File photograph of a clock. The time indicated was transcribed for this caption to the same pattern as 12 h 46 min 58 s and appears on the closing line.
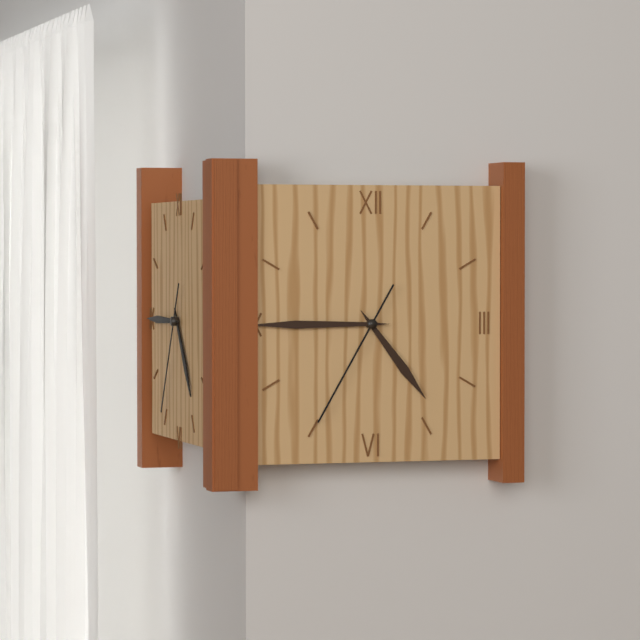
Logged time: 4 h 45 min 35 s
